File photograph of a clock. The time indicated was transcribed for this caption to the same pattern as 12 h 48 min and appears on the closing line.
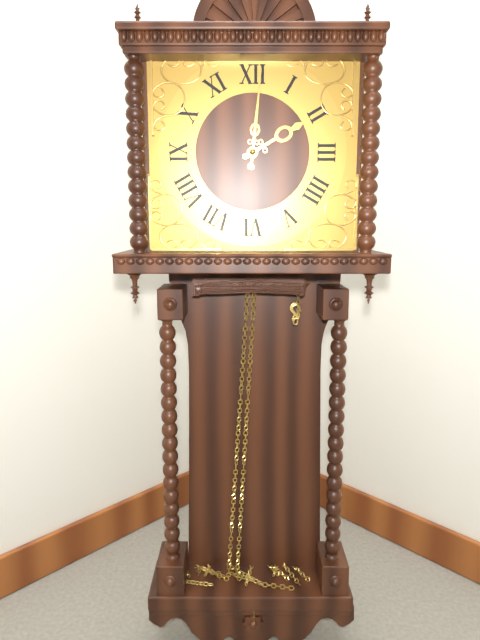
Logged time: 2 h 01 min
